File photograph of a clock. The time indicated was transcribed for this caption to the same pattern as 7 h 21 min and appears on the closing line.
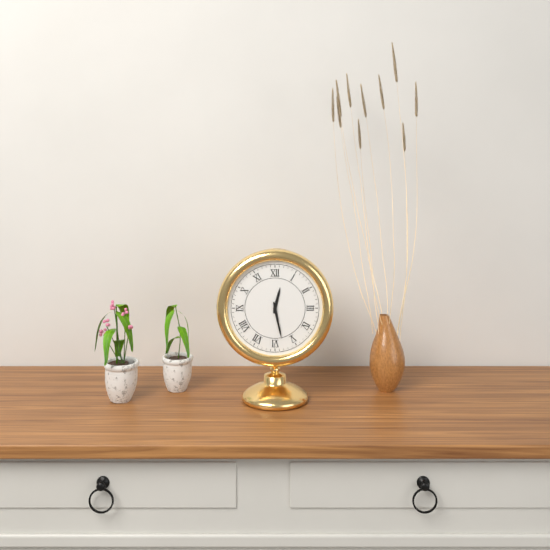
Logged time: 12 h 28 min
